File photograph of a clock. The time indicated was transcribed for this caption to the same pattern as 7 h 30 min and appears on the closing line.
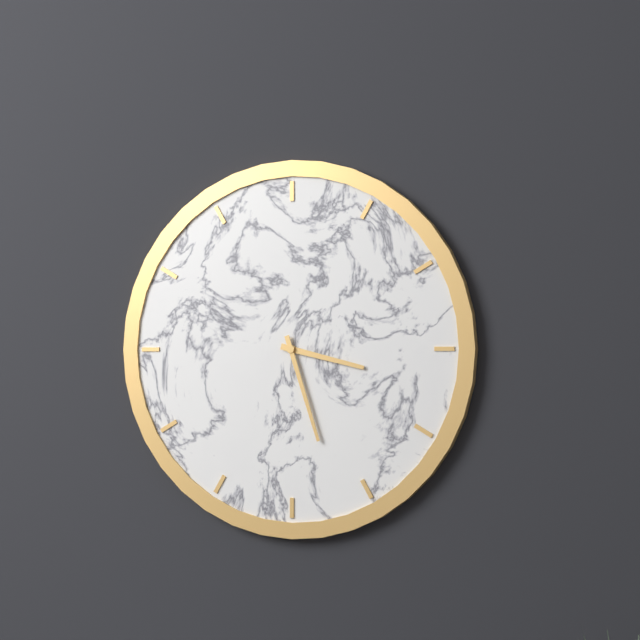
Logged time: 3 h 27 min
